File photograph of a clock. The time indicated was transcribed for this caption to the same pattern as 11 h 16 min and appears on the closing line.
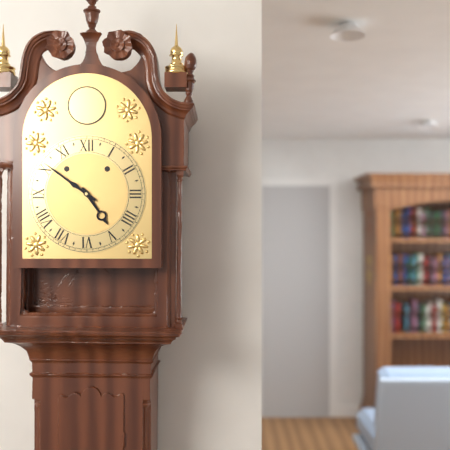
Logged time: 4 h 51 min
